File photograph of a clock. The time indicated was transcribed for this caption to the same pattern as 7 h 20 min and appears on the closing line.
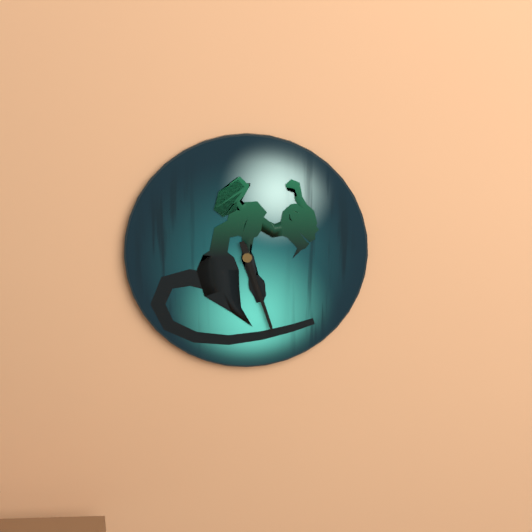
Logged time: 5 h 27 min
